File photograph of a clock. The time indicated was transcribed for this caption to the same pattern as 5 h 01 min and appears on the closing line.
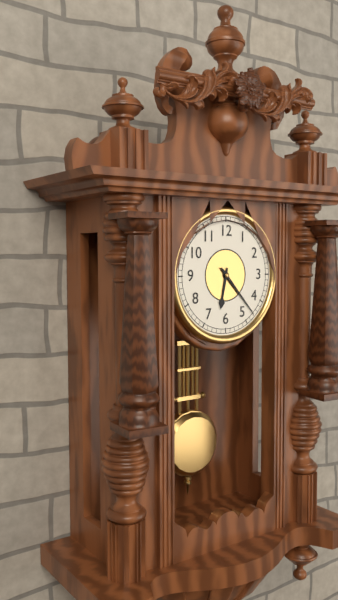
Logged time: 6 h 23 min
